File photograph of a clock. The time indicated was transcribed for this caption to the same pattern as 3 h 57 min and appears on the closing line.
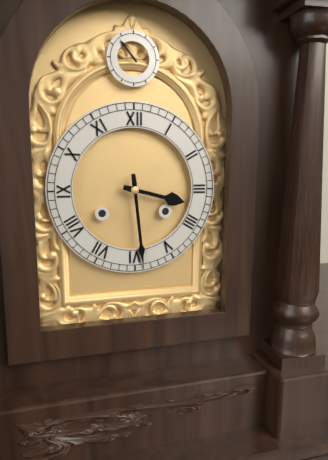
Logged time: 3 h 29 min
